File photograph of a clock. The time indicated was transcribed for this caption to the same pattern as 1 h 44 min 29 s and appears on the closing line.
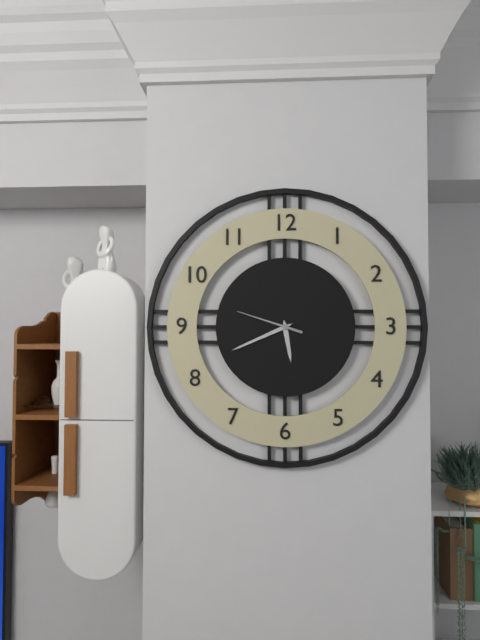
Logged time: 5 h 41 min 48 s
